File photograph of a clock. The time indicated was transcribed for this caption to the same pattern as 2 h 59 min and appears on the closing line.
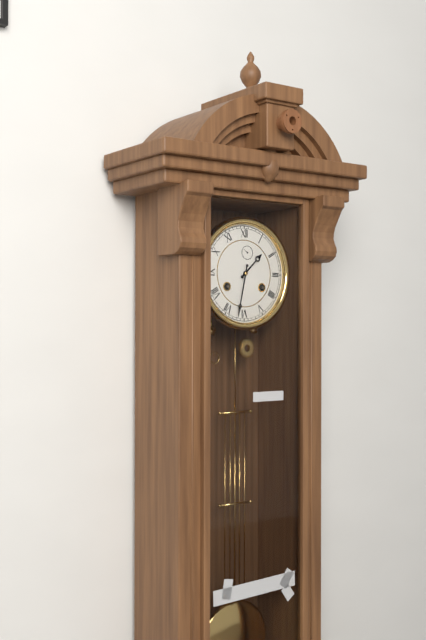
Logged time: 1 h 32 min
